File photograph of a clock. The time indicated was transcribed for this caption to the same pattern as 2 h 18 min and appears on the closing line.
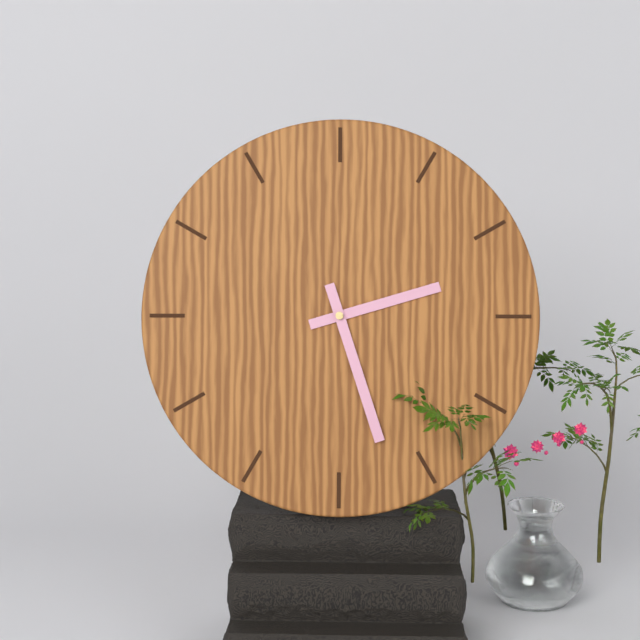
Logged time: 2 h 27 min
